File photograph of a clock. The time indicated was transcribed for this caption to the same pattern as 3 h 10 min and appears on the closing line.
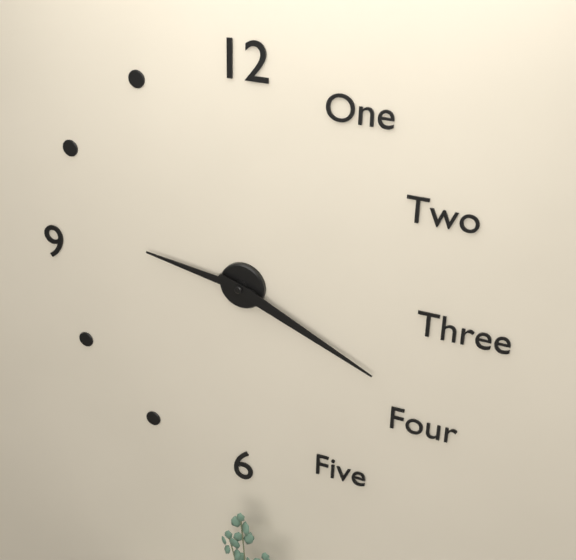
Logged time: 9 h 19 min
